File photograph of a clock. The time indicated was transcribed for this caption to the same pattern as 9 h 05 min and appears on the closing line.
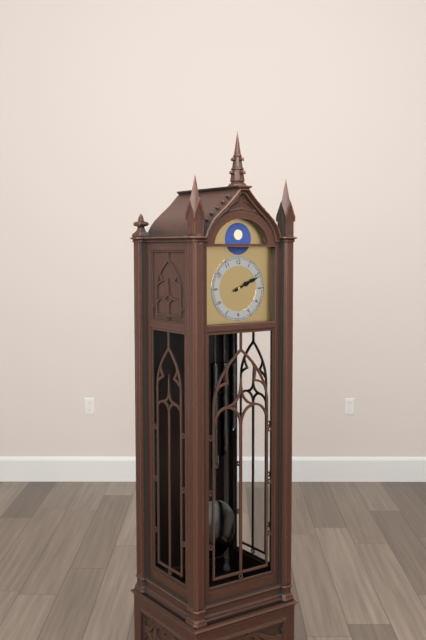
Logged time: 2 h 11 min
